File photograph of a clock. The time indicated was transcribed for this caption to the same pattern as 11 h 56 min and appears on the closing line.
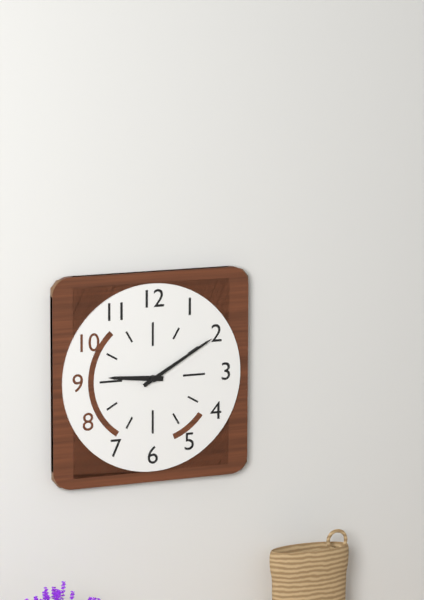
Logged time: 9 h 10 min
